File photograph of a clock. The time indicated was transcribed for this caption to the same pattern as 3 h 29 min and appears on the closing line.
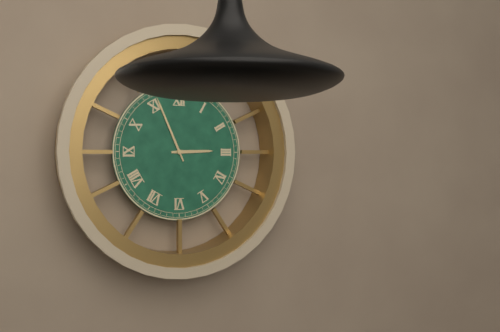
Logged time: 2 h 56 min
